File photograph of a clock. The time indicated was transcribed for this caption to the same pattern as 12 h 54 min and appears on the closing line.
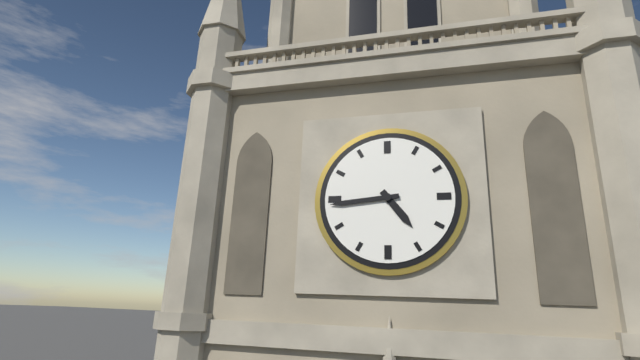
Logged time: 4 h 44 min
